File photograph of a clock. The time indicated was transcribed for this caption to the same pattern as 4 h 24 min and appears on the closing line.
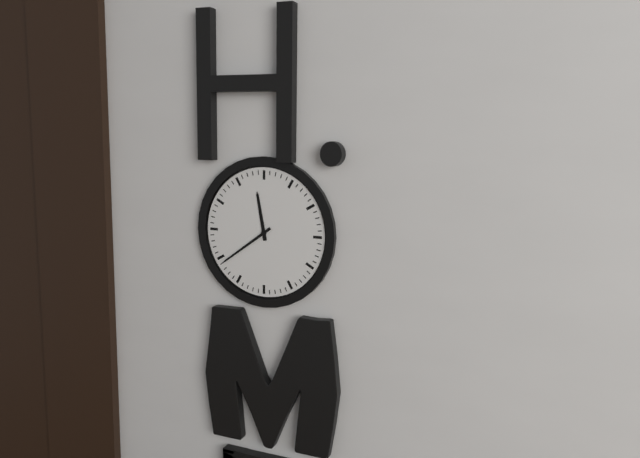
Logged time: 11 h 39 min
